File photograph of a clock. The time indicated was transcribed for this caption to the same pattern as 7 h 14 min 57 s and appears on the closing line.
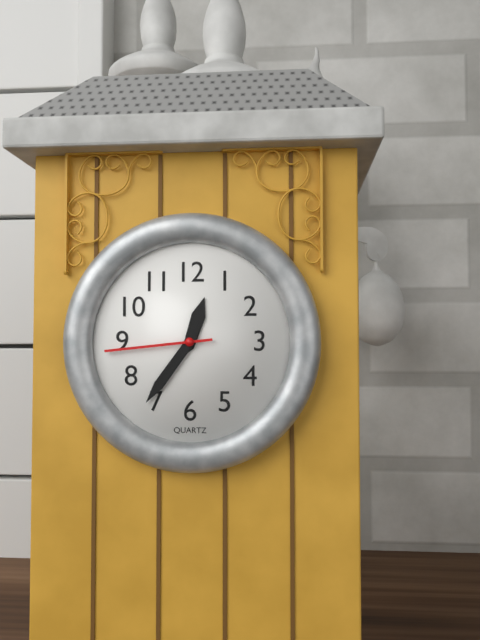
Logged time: 12 h 36 min 44 s
